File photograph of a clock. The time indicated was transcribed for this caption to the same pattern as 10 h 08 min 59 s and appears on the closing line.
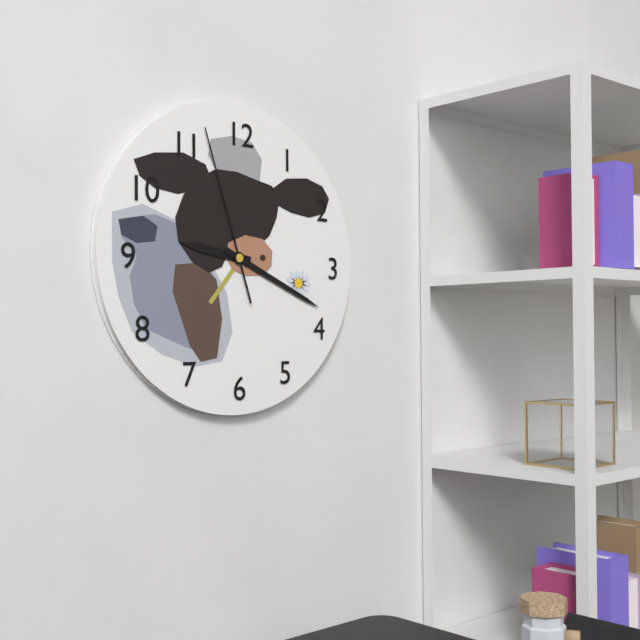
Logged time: 9 h 19 min 57 s
